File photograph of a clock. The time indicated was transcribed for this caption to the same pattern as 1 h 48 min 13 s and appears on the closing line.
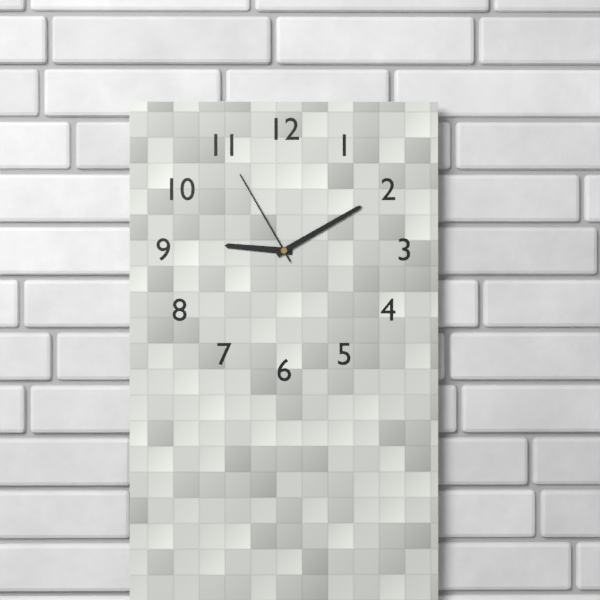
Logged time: 9 h 10 min 55 s
